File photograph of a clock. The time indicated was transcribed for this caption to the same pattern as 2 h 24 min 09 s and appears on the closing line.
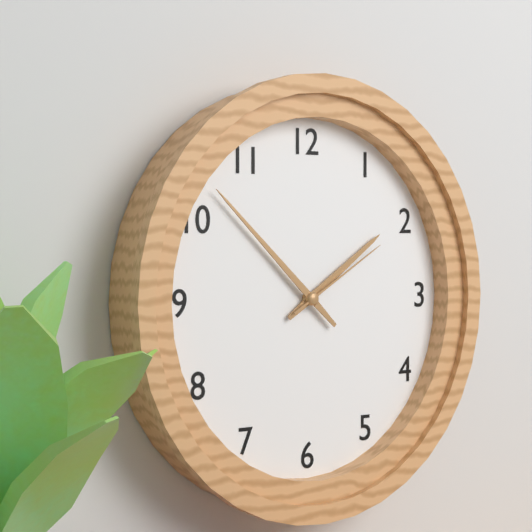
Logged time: 1 h 52 min 10 s
